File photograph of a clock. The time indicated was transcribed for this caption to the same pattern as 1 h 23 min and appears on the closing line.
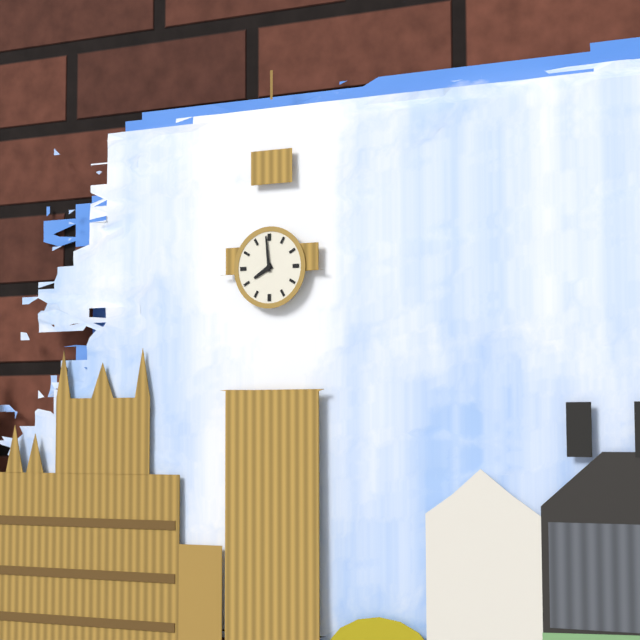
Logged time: 7 h 59 min
